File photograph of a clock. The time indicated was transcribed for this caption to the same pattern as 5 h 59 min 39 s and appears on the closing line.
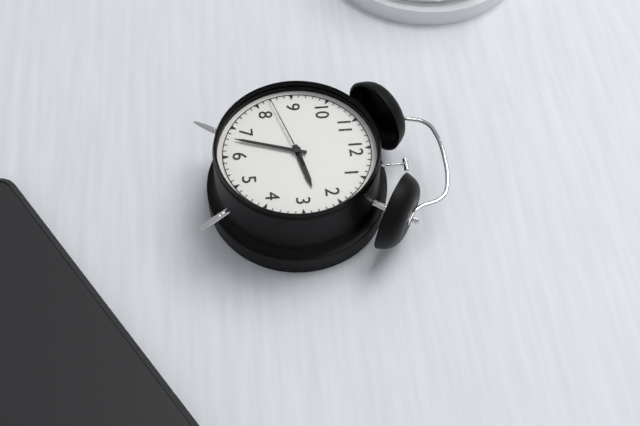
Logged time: 2 h 33 min 42 s
